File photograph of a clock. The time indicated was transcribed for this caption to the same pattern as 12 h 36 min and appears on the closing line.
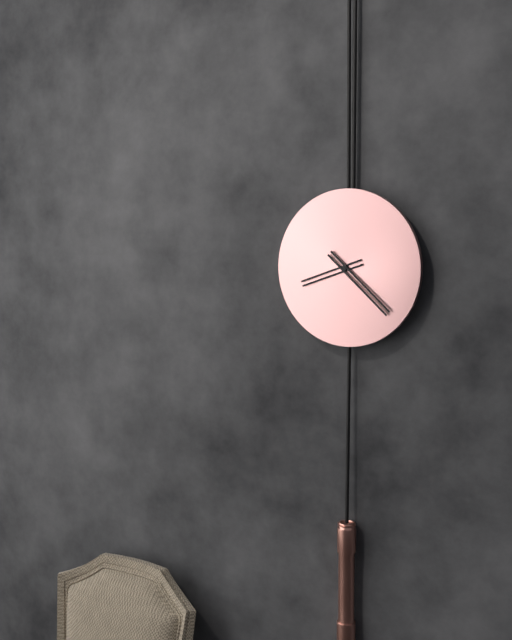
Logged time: 8 h 22 min
